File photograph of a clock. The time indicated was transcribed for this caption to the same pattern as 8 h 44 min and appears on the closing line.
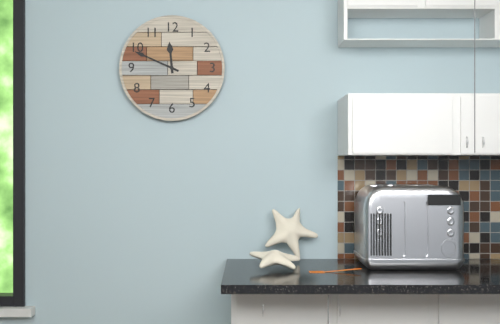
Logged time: 11 h 49 min
